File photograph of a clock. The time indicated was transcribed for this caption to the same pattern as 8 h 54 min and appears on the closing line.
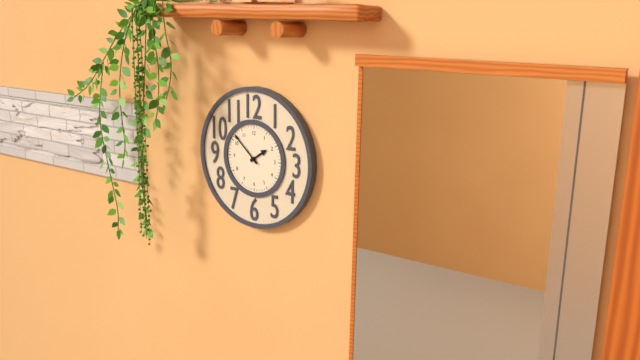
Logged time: 1 h 52 min
